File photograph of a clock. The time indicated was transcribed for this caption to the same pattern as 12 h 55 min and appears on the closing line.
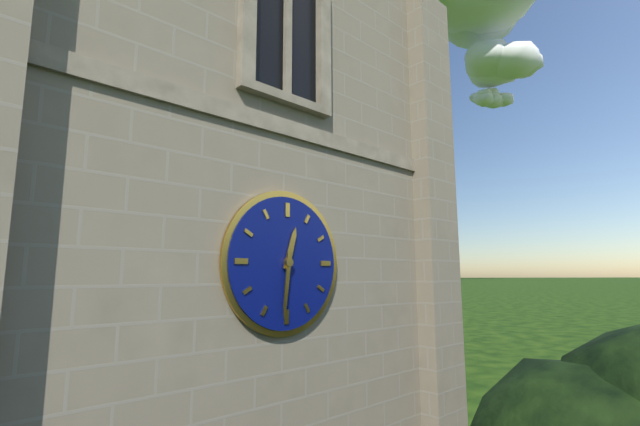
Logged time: 12 h 31 min
